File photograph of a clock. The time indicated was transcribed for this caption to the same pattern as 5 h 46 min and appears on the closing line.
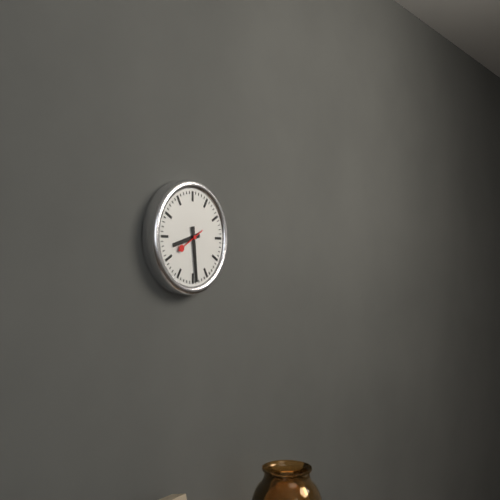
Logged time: 8 h 29 min
